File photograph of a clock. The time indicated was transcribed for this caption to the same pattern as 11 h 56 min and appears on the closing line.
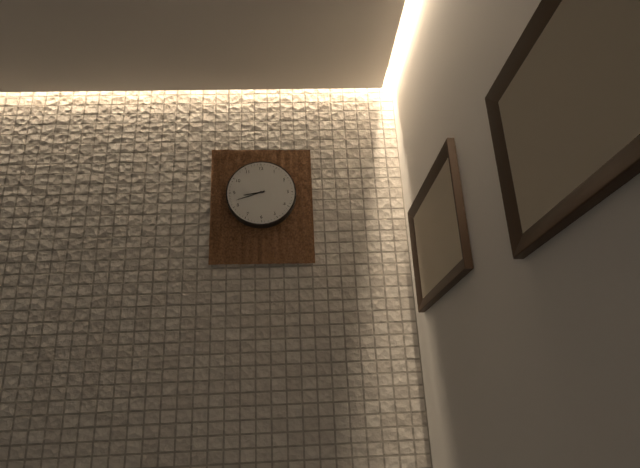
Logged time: 8 h 42 min
